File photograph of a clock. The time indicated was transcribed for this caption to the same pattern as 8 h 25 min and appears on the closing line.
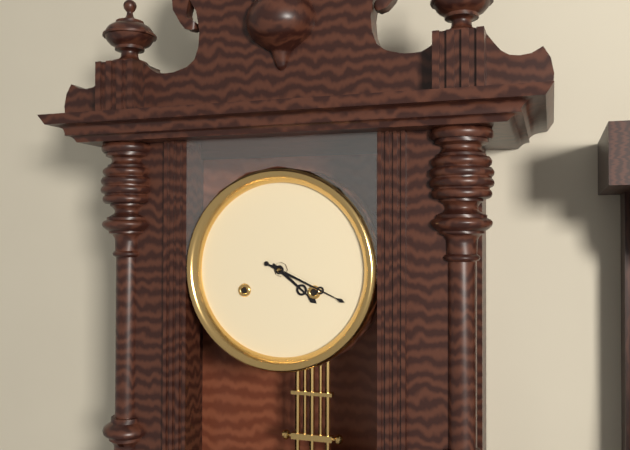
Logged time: 4 h 19 min
